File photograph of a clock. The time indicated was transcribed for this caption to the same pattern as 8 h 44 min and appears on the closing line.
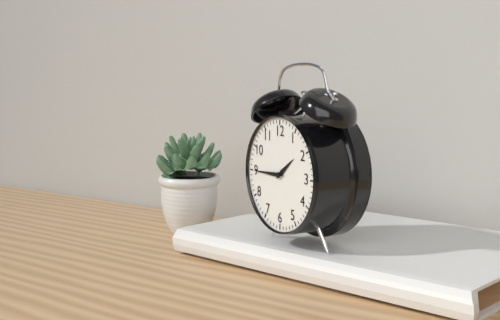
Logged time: 1 h 45 min
